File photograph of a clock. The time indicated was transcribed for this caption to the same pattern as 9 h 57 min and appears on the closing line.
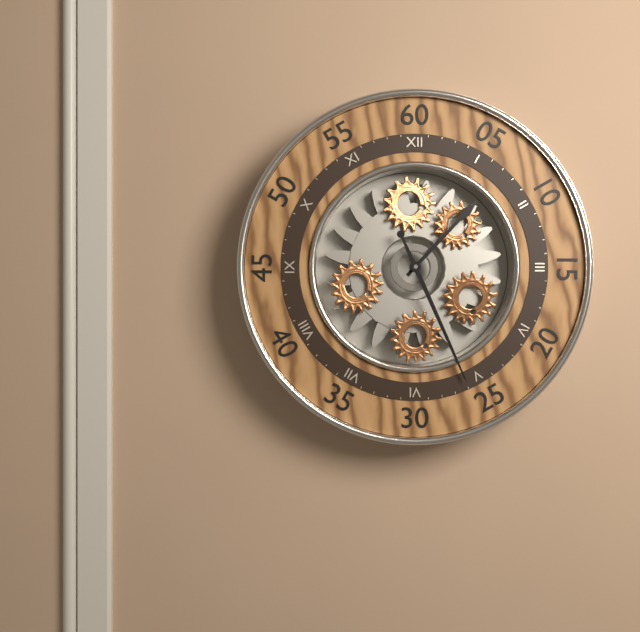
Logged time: 1 h 26 min
